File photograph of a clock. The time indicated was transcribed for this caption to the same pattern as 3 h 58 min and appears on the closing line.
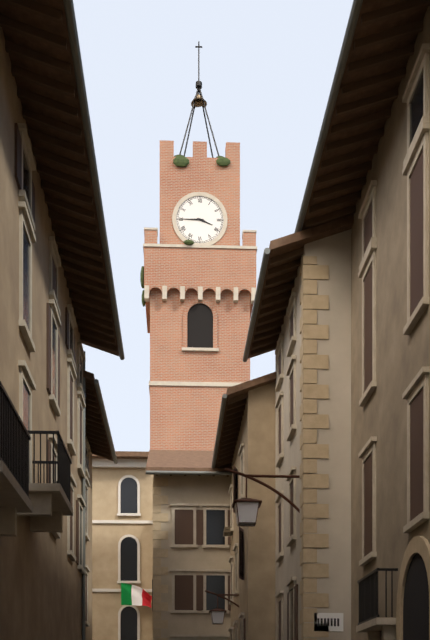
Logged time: 3 h 45 min
